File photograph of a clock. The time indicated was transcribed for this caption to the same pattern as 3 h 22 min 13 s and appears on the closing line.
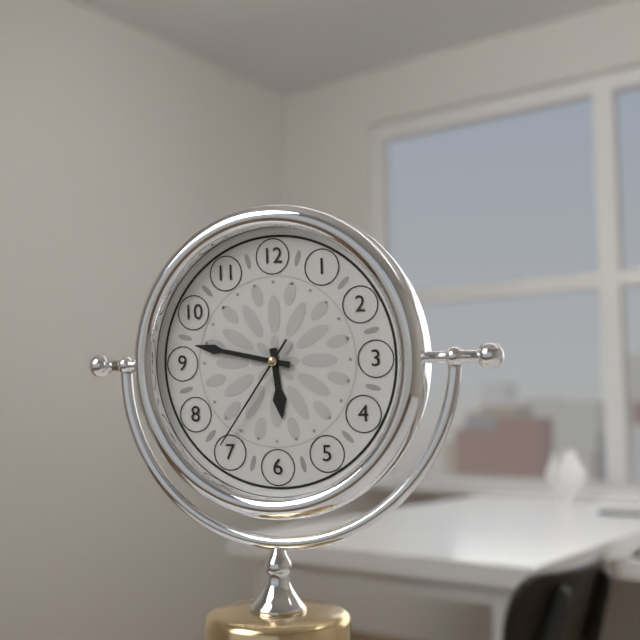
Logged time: 5 h 47 min 36 s
